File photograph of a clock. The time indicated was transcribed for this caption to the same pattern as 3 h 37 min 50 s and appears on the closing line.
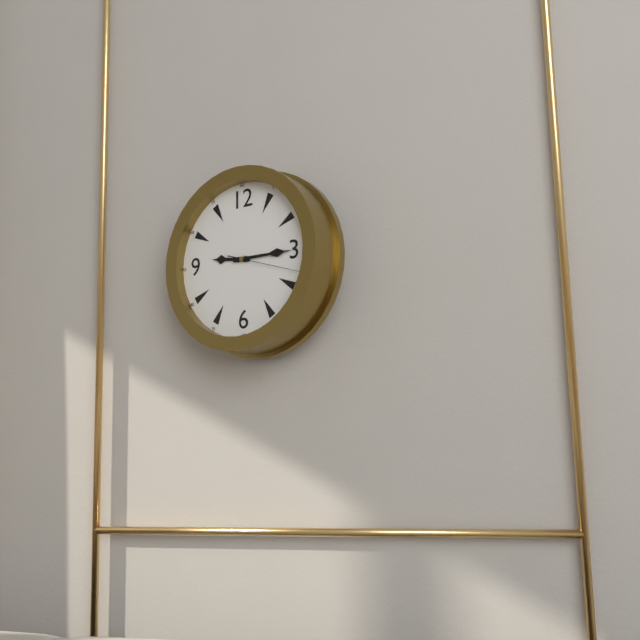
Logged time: 9 h 15 min 18 s
